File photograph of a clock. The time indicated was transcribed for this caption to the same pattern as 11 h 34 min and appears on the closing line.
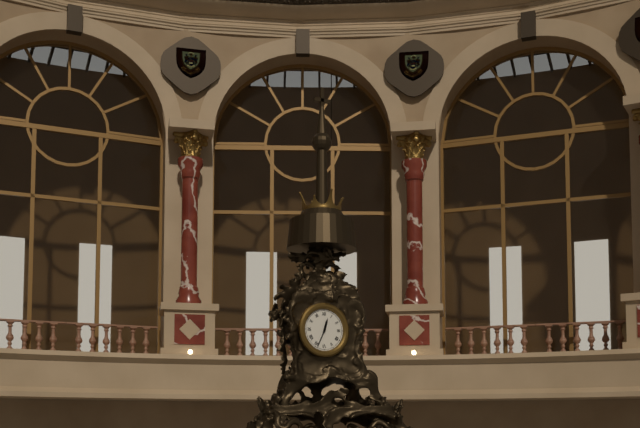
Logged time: 12 h 34 min
